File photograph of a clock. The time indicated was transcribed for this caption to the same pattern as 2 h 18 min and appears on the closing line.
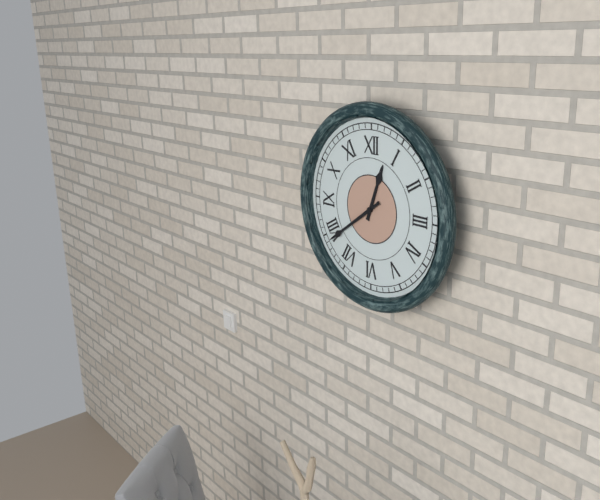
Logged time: 12 h 39 min
